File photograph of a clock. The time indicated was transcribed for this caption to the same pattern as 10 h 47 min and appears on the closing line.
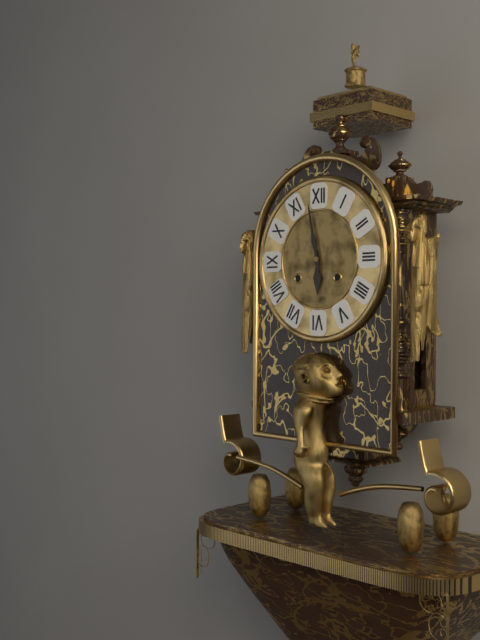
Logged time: 5 h 58 min
